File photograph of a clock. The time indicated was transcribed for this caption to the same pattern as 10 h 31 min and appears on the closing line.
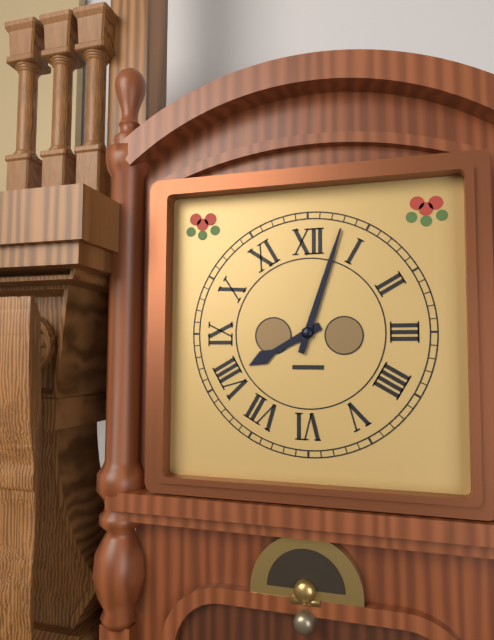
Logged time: 8 h 03 min
